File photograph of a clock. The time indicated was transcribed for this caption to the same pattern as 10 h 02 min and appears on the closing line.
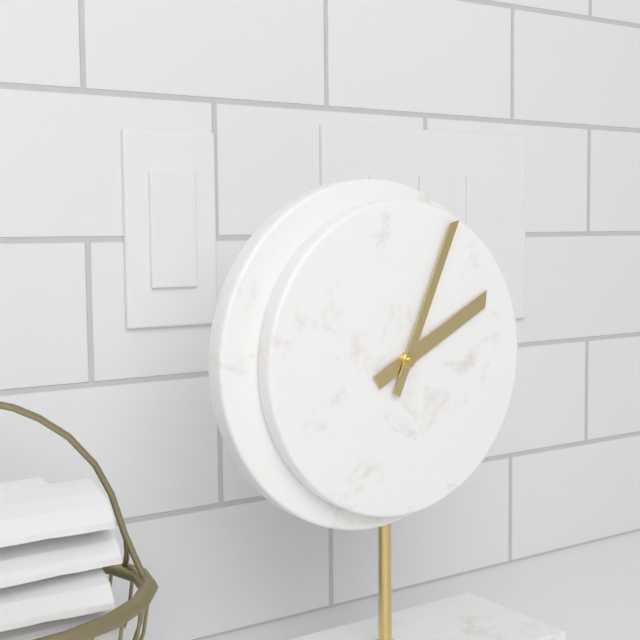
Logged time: 2 h 04 min
